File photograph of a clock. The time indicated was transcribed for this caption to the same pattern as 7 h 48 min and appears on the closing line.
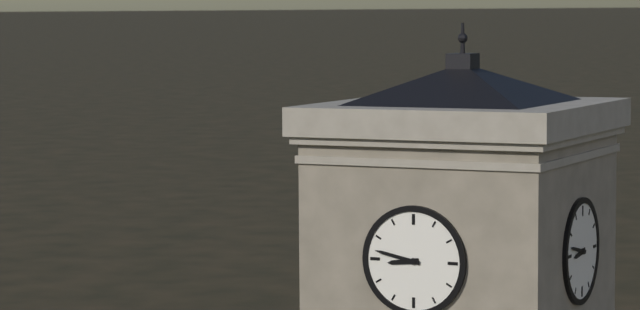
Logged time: 8 h 47 min
